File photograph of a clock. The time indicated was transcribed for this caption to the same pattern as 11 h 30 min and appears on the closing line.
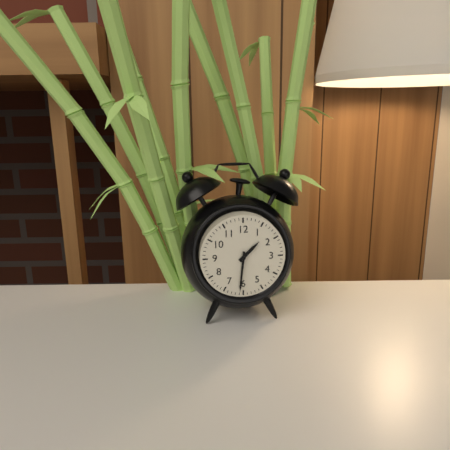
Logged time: 1 h 31 min
